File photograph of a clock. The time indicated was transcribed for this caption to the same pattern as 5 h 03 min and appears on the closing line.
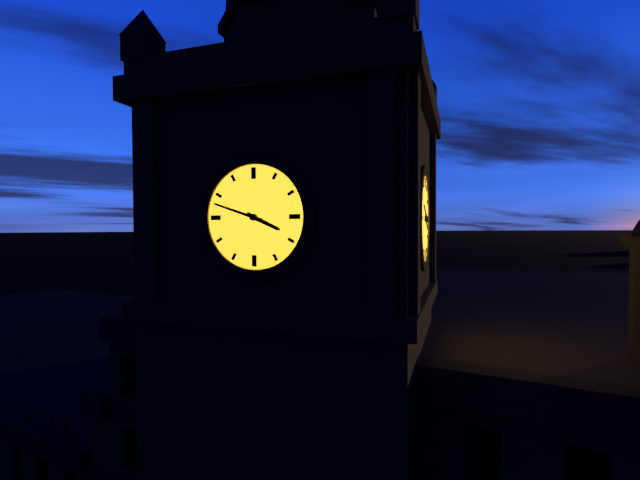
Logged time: 3 h 48 min
